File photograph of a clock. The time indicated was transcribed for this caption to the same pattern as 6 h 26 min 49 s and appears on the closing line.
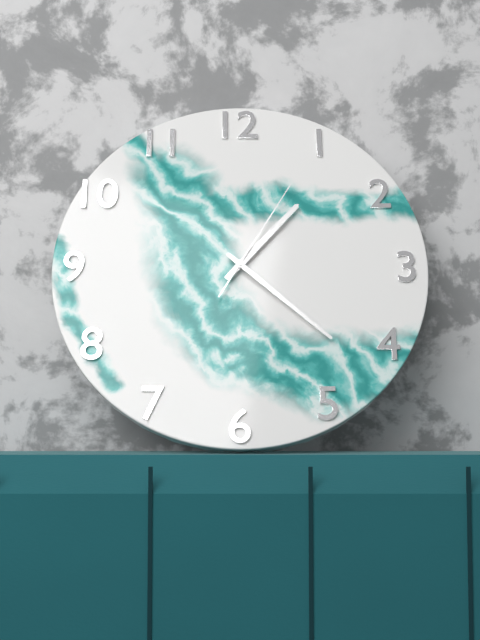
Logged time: 1 h 22 min 05 s
